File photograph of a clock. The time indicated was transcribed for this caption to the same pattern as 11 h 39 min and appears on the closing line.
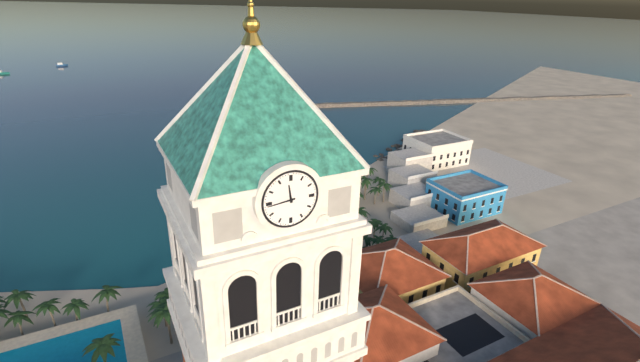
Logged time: 11 h 44 min
